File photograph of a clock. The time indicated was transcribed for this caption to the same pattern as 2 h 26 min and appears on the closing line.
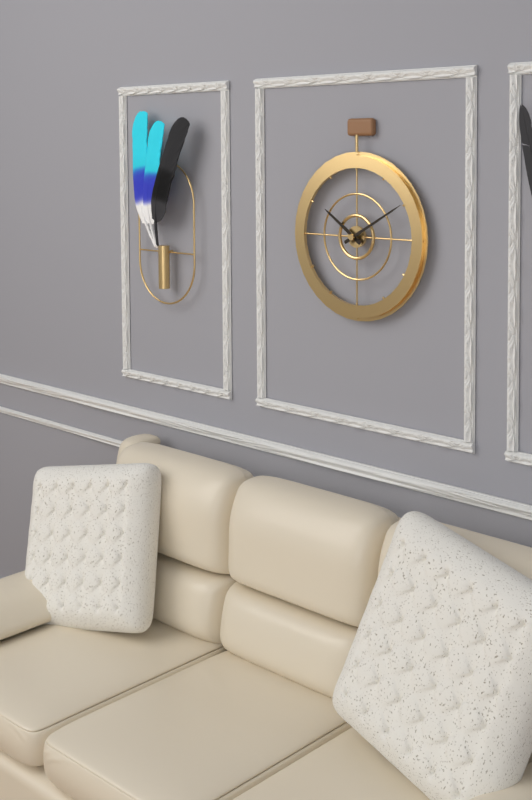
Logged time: 10 h 10 min
